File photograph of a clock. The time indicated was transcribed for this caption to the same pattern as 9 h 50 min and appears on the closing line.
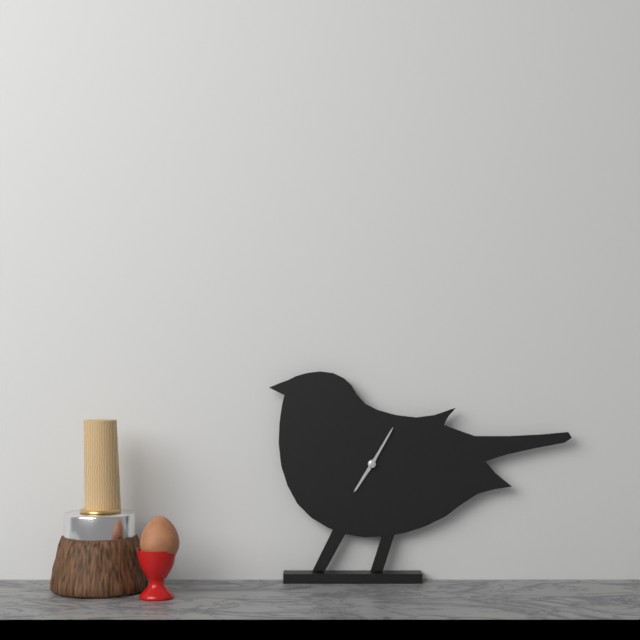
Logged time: 7 h 05 min
